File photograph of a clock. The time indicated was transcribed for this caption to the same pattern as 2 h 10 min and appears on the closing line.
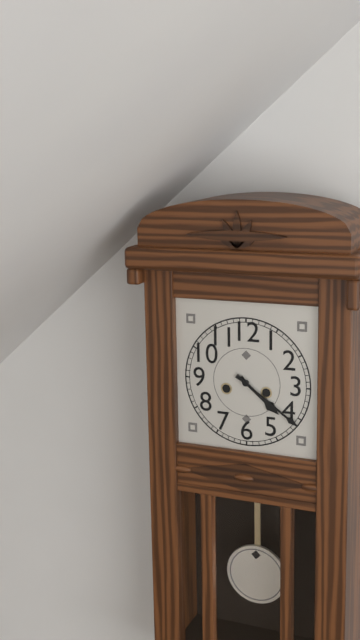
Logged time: 4 h 21 min
